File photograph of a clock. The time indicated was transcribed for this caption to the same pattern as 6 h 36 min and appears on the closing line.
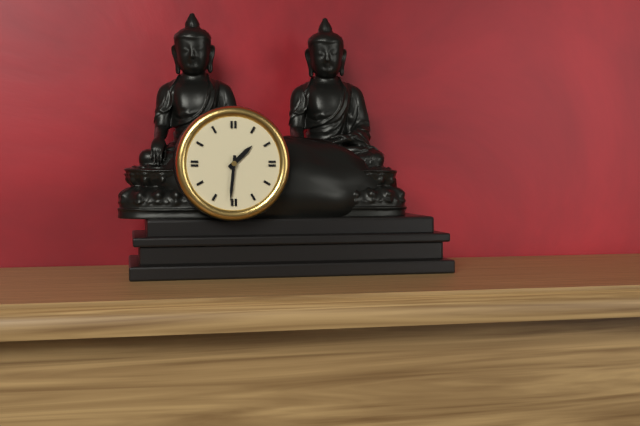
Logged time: 1 h 31 min
